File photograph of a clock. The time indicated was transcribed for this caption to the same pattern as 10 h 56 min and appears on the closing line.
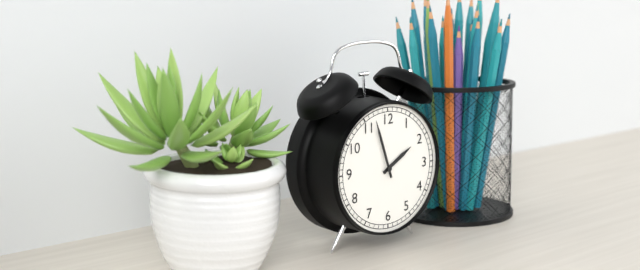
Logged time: 1 h 57 min
